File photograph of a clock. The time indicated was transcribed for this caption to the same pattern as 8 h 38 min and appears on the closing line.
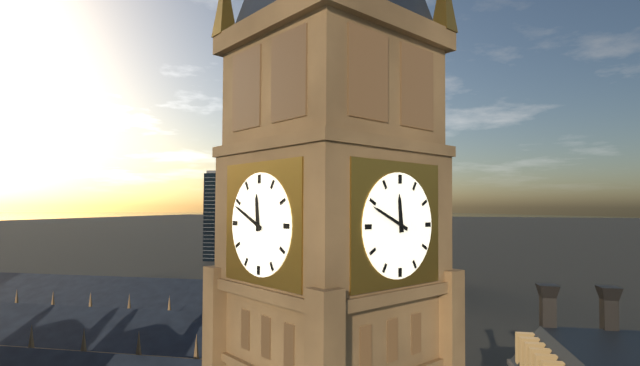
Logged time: 11 h 49 min
